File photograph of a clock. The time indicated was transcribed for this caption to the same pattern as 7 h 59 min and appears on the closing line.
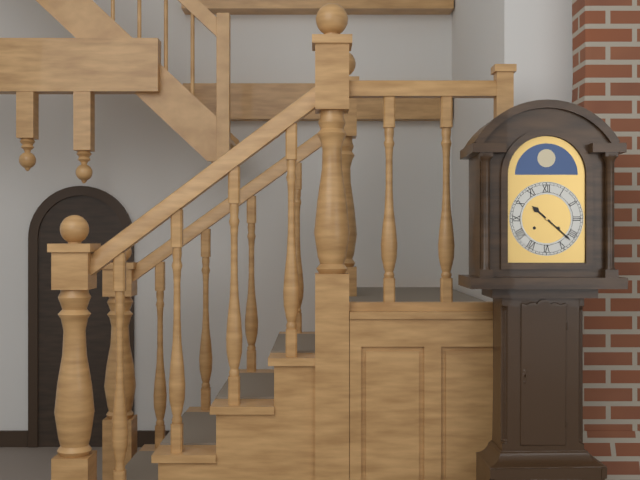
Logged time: 10 h 22 min
